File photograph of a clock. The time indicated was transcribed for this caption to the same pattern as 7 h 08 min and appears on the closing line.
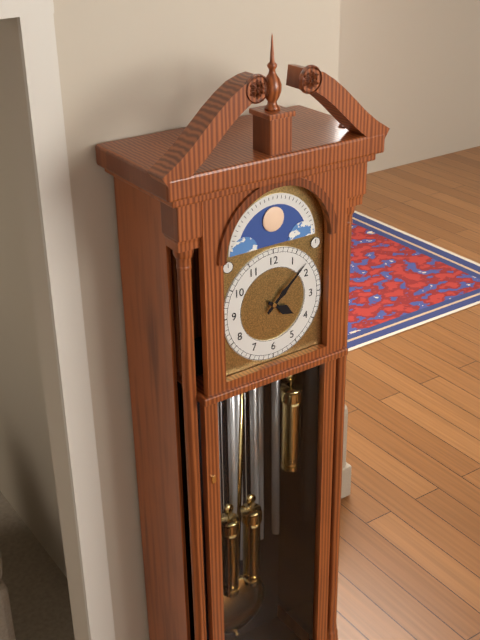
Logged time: 4 h 08 min
